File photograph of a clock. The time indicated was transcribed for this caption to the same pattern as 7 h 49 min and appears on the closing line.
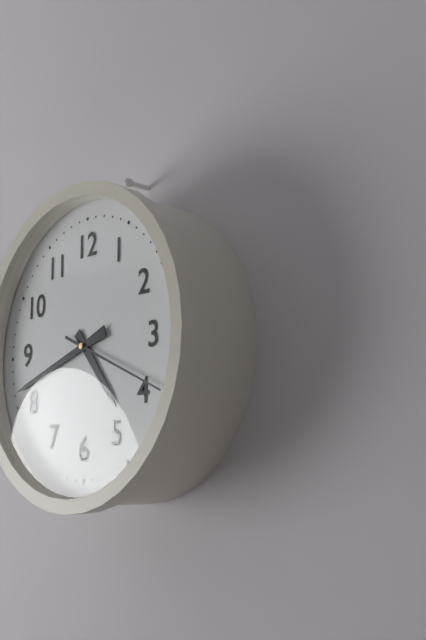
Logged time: 4 h 42 min
